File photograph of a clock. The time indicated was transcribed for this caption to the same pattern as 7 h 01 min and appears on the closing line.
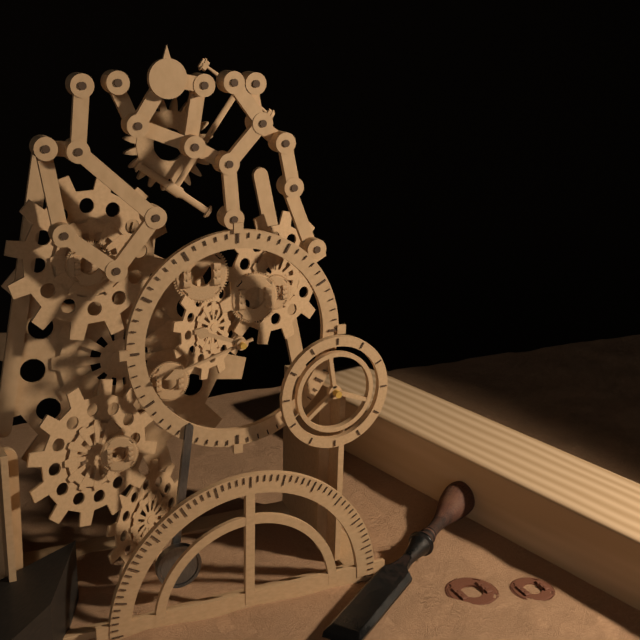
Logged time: 9 h 42 min
